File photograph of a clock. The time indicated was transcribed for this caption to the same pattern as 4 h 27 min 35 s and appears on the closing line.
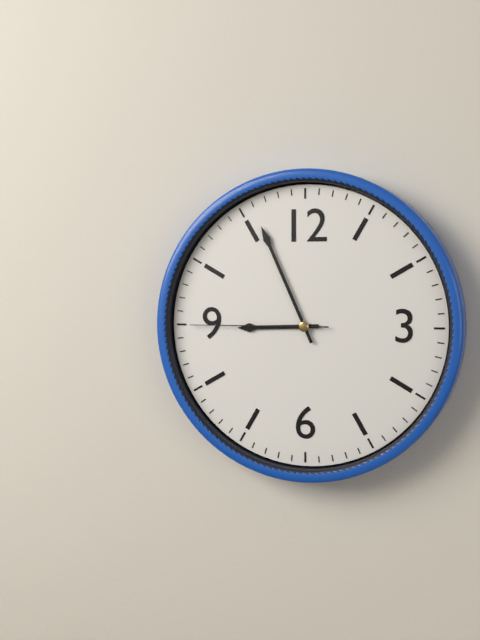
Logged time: 8 h 56 min 45 s
